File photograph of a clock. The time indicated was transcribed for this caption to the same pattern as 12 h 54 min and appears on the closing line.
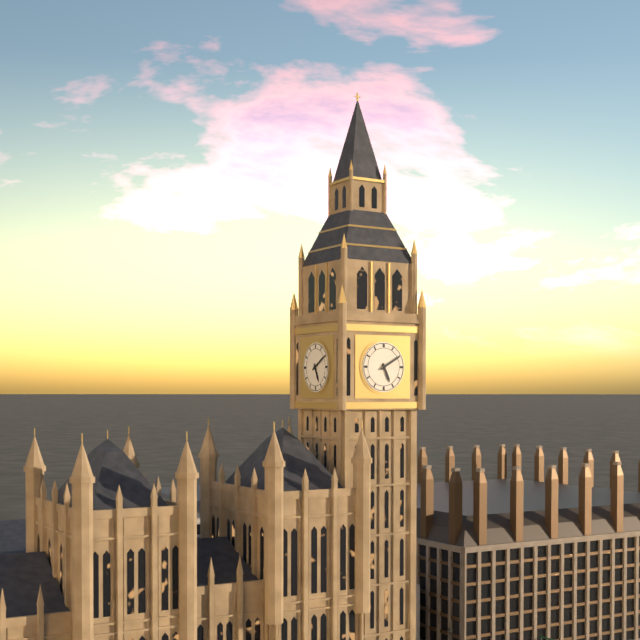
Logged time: 5 h 10 min
